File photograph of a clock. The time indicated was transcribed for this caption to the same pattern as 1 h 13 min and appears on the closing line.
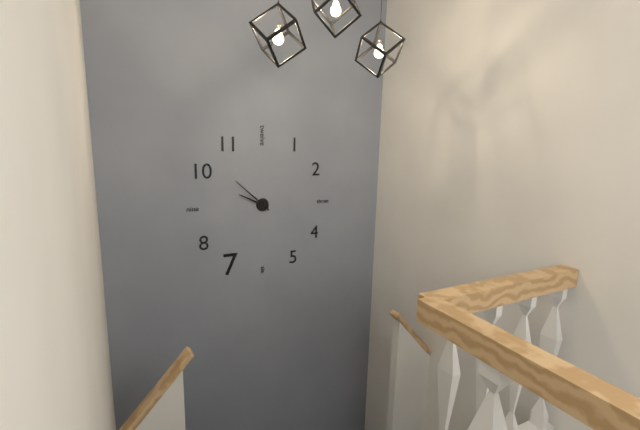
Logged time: 9 h 52 min
